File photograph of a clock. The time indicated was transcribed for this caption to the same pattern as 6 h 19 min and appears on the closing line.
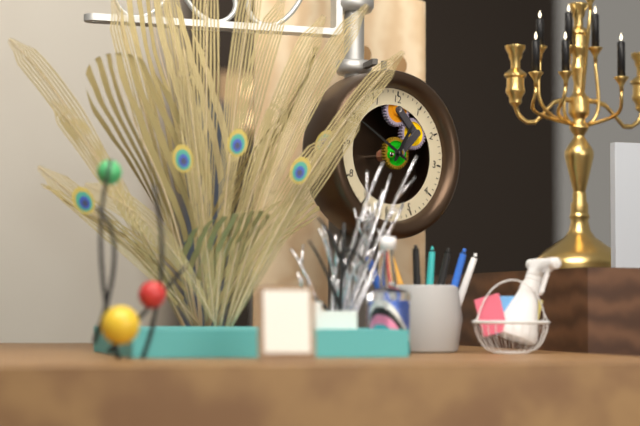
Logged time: 12 h 49 min
